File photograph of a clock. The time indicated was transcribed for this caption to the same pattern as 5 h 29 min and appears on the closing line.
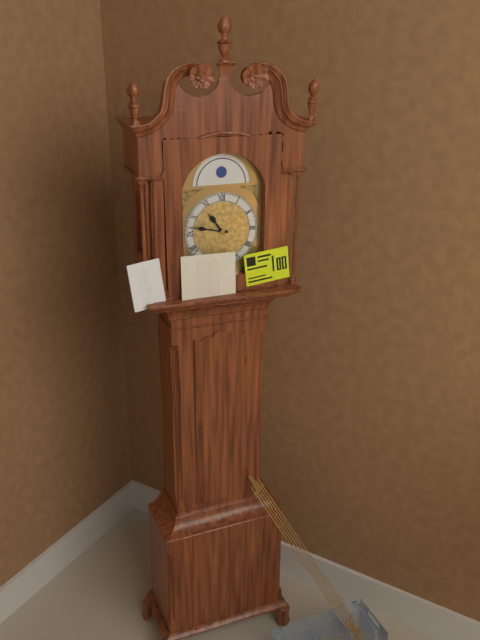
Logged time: 10 h 47 min
